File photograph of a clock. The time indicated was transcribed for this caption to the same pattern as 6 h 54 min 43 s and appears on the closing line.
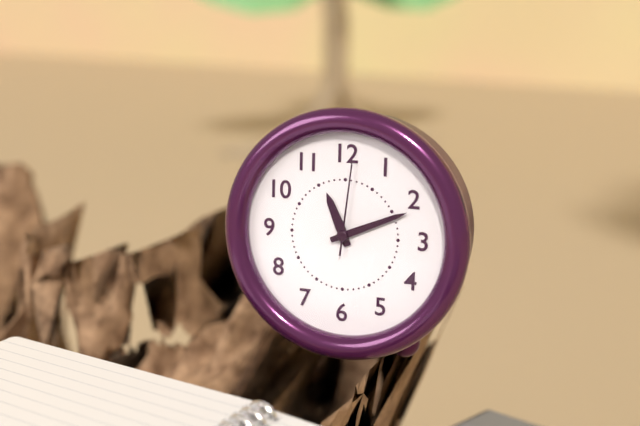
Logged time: 11 h 11 min 01 s
